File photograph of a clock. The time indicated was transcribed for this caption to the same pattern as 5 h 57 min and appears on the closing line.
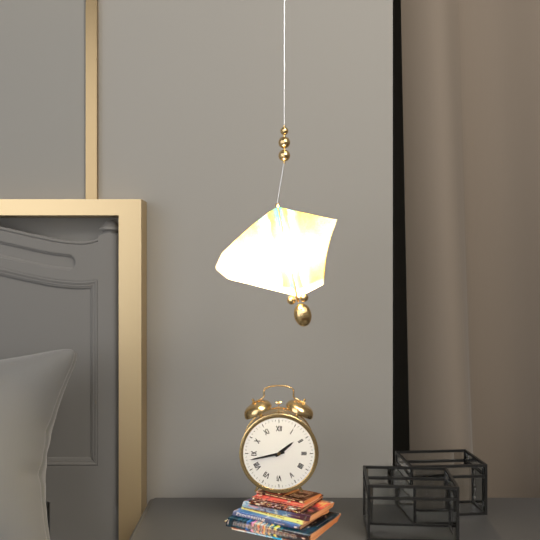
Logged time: 1 h 43 min
